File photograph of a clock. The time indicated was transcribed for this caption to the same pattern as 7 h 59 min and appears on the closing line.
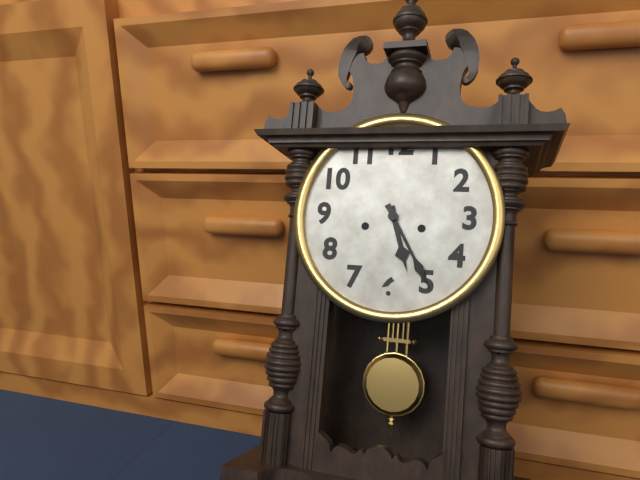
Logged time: 5 h 25 min
